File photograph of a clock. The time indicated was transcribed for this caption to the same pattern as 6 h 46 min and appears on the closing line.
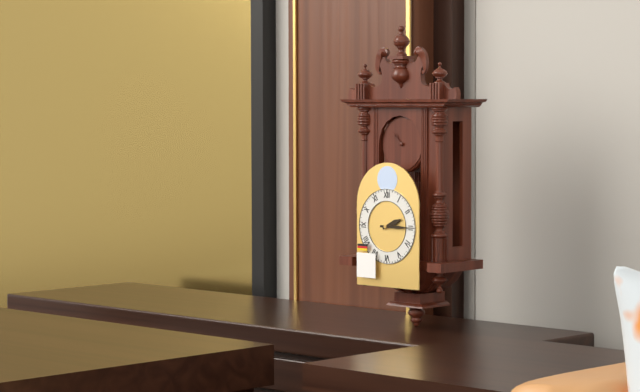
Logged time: 2 h 15 min
